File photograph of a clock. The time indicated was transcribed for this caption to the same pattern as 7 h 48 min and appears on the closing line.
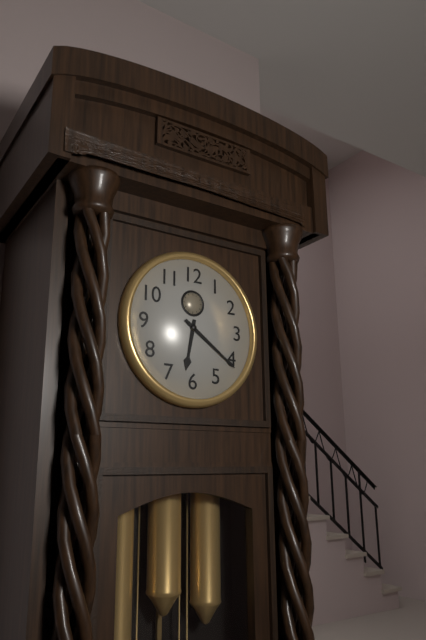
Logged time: 6 h 21 min
